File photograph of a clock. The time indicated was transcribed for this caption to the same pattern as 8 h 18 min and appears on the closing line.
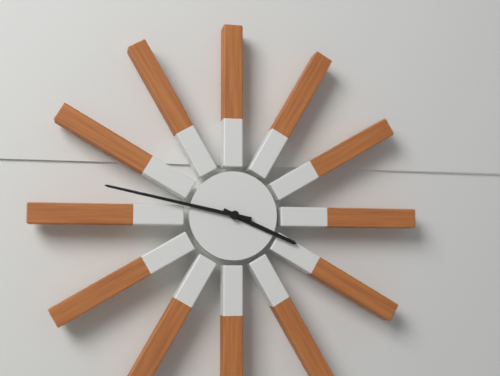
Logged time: 3 h 47 min
